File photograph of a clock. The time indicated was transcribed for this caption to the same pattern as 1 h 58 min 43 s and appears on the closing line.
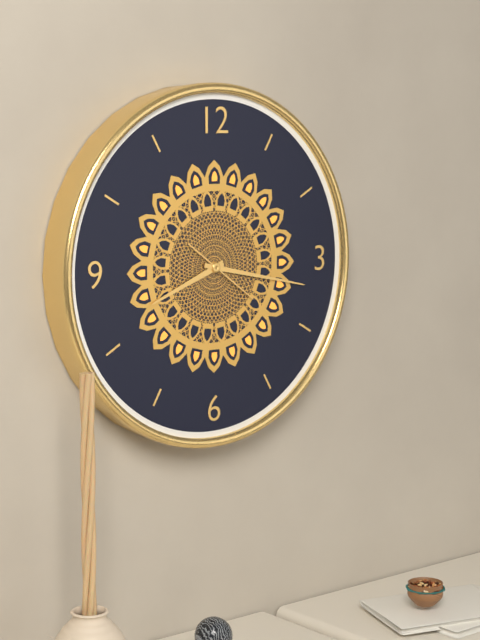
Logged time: 8 h 17 min 21 s
